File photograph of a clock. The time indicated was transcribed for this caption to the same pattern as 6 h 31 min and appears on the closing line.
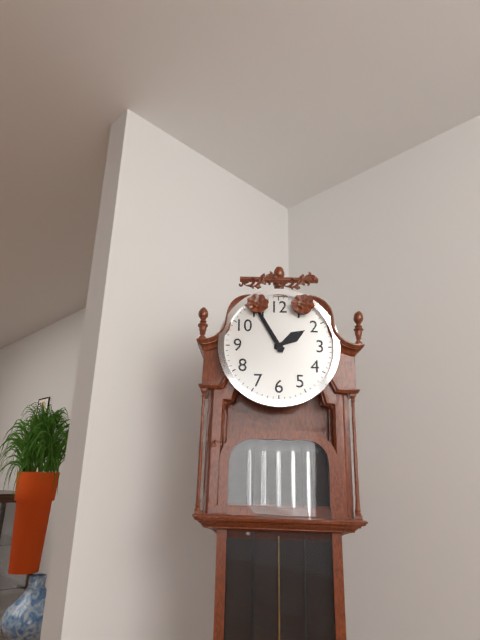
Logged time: 1 h 55 min
